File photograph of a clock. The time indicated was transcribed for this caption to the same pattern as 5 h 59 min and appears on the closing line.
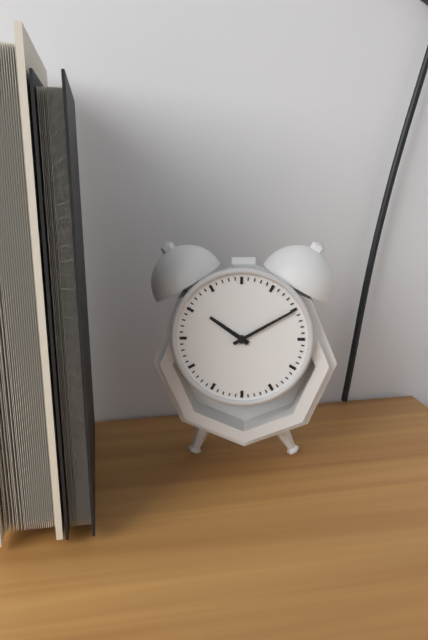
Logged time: 10 h 10 min
